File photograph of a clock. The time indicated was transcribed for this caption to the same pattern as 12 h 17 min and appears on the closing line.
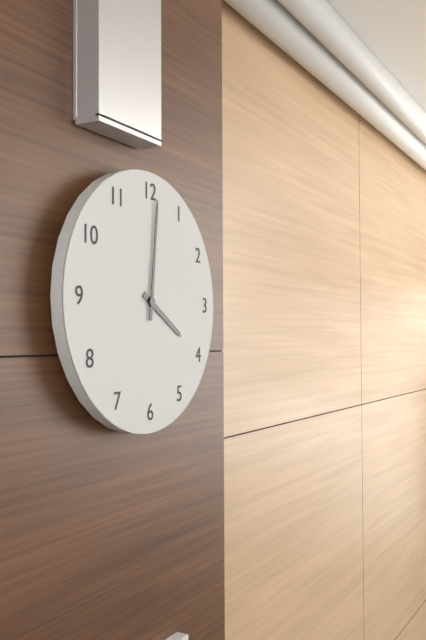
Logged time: 4 h 01 min
